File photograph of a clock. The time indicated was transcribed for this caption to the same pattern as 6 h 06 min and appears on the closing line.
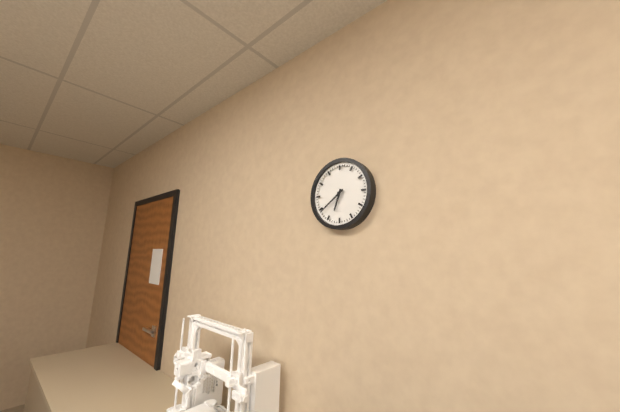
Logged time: 6 h 39 min
